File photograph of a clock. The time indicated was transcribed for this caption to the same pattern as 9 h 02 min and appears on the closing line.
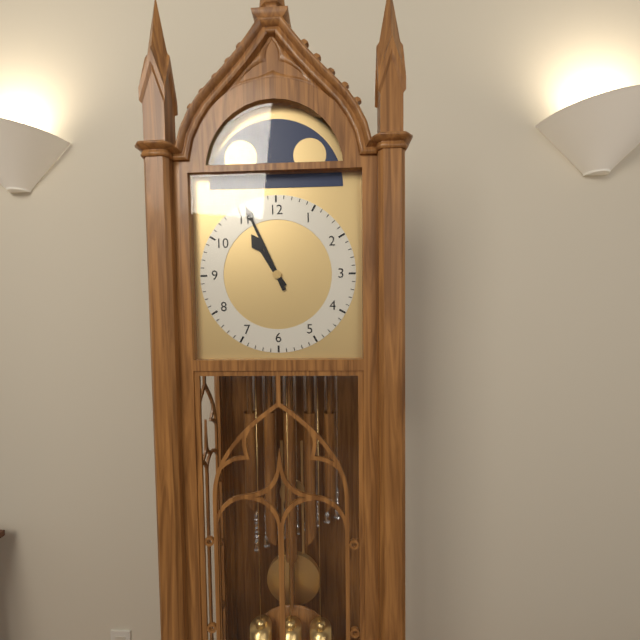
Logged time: 10 h 56 min
